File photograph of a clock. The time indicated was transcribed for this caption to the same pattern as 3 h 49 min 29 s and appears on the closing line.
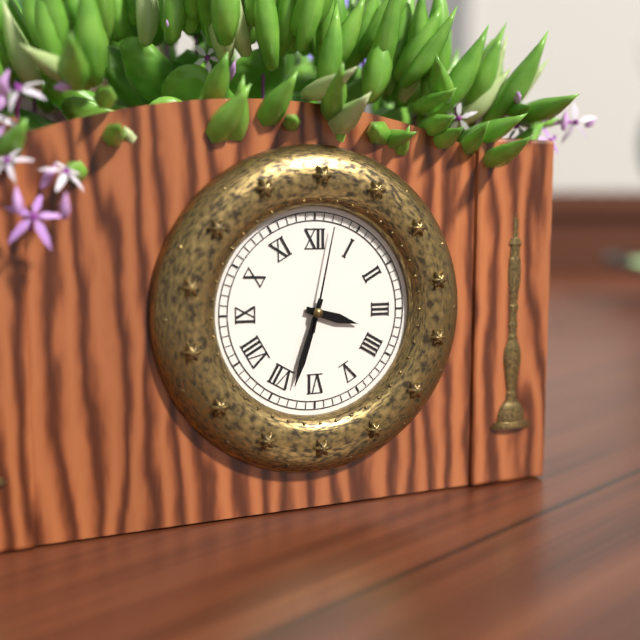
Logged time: 3 h 33 min 02 s
